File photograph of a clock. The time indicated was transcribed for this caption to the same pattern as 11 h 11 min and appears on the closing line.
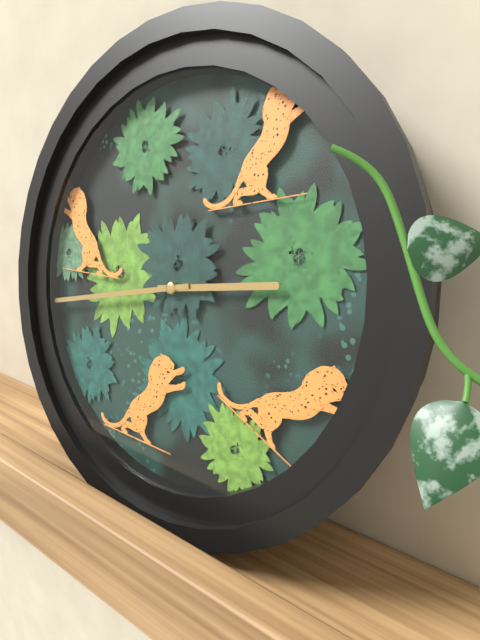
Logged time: 2 h 43 min
